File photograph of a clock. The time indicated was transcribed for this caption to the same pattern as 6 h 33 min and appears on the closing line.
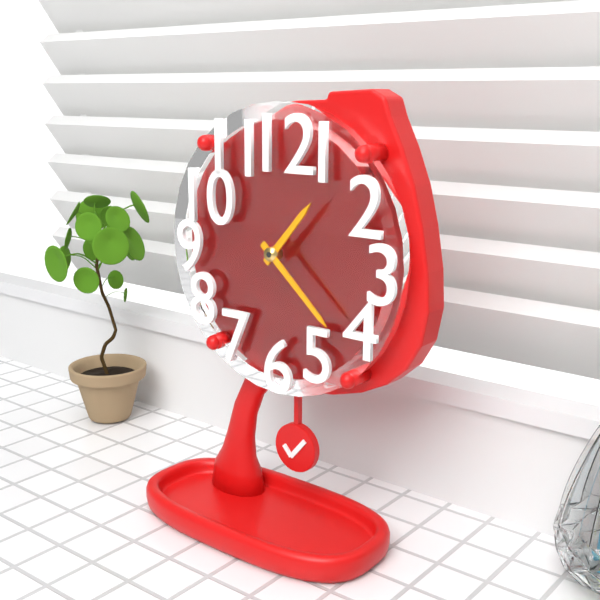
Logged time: 1 h 22 min
